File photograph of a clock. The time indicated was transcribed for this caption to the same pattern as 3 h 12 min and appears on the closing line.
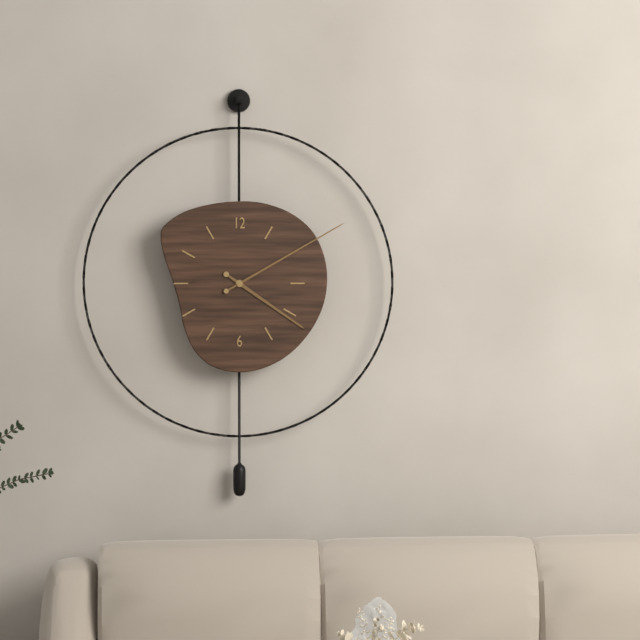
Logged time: 4 h 10 min
